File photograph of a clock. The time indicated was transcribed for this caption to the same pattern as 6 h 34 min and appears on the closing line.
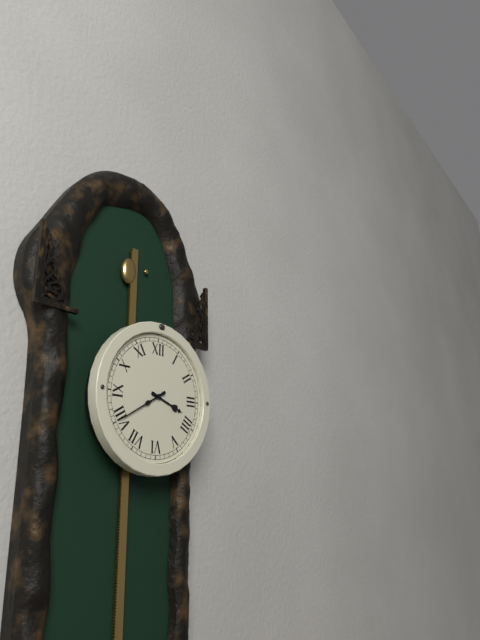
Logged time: 3 h 40 min
